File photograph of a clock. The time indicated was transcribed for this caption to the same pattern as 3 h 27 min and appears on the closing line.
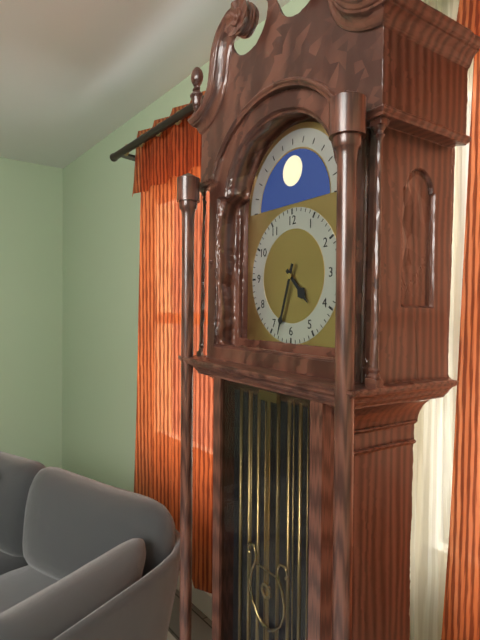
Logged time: 4 h 33 min
